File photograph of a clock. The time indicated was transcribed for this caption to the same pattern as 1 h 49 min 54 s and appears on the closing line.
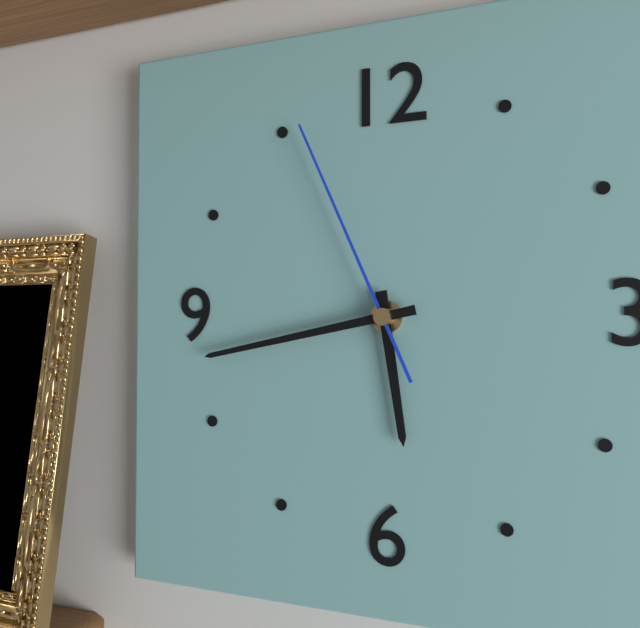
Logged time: 5 h 43 min 56 s
